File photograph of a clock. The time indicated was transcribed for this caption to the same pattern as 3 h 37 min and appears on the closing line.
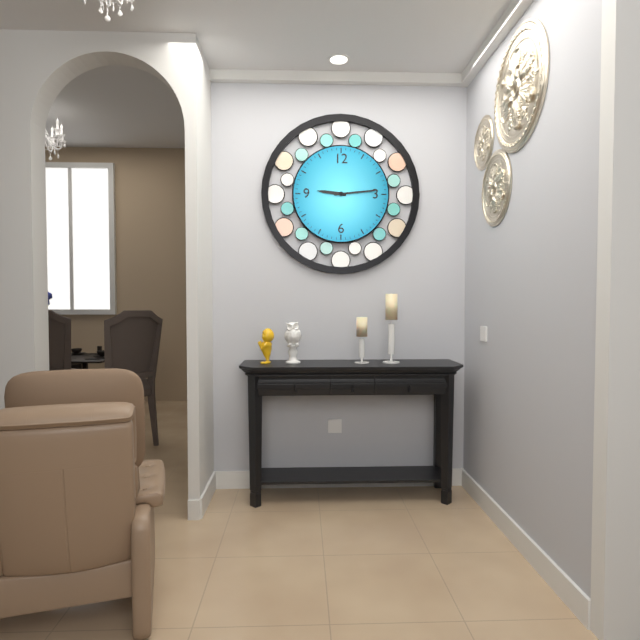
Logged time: 9 h 14 min
